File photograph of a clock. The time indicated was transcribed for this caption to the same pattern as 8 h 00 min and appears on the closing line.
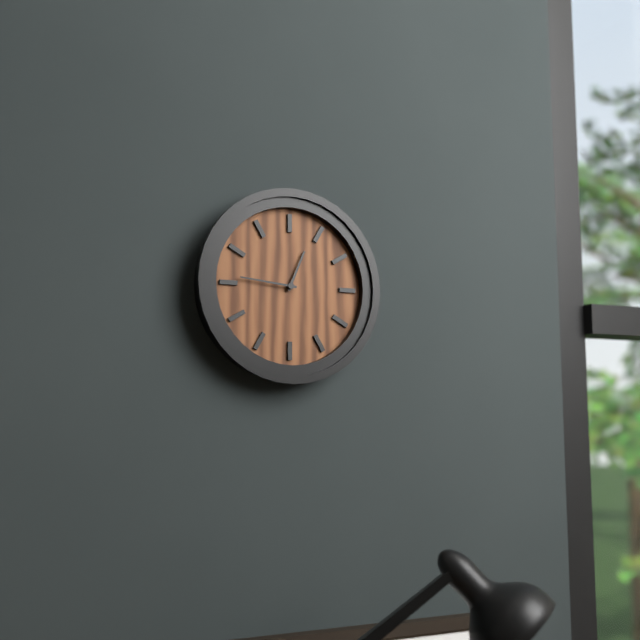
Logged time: 12 h 46 min
